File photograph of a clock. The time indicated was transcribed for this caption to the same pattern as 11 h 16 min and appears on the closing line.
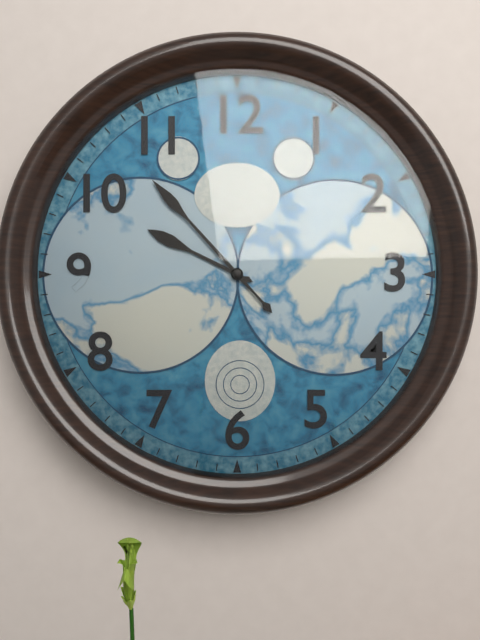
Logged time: 9 h 53 min
